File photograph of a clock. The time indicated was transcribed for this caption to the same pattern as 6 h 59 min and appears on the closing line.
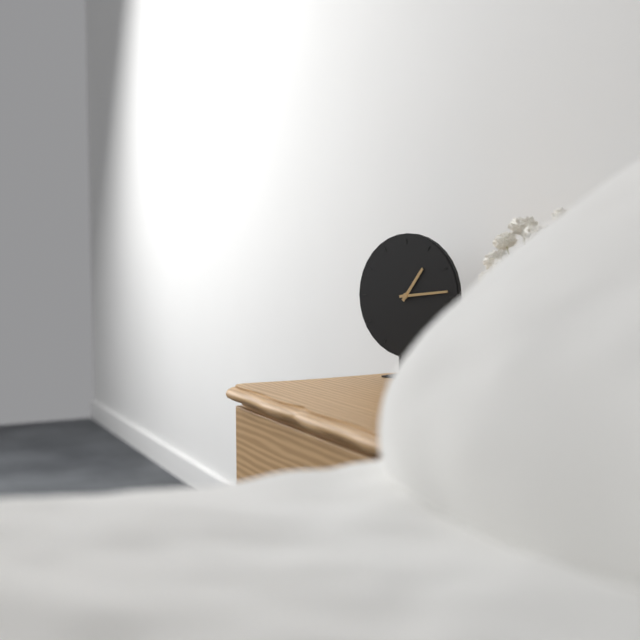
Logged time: 1 h 14 min
